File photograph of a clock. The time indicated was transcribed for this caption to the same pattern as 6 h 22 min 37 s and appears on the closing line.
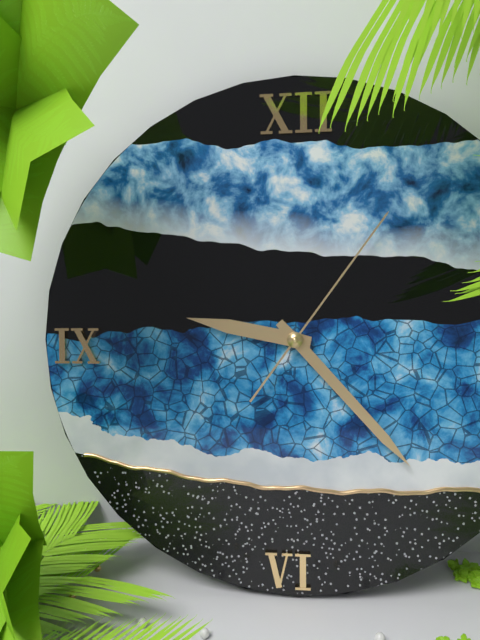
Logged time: 9 h 23 min 06 s
